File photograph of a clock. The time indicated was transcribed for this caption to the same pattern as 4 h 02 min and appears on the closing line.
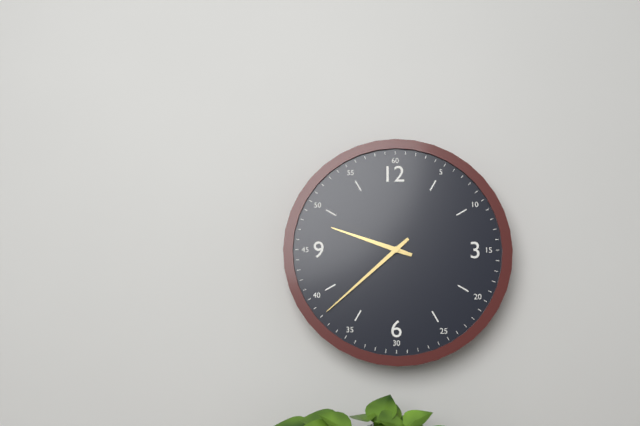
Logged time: 9 h 38 min
